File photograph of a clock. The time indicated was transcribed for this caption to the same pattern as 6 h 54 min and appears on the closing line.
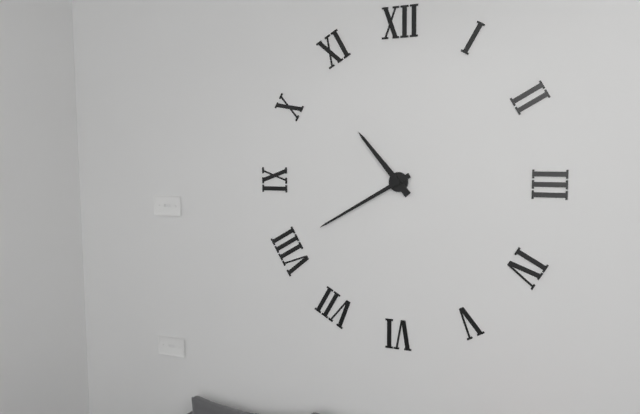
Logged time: 10 h 40 min
